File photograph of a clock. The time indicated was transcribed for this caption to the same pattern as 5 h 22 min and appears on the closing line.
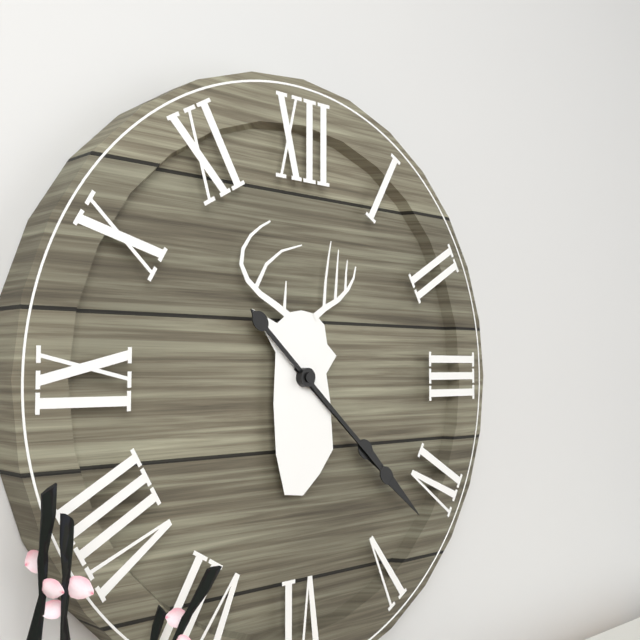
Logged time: 4 h 22 min
